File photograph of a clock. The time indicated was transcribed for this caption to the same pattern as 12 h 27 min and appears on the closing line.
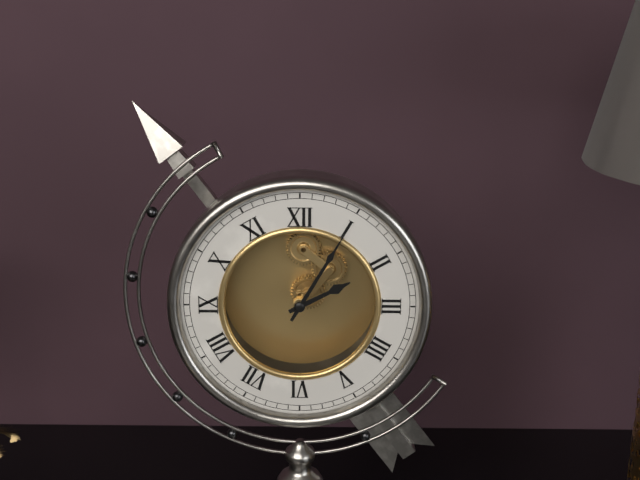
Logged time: 2 h 05 min
